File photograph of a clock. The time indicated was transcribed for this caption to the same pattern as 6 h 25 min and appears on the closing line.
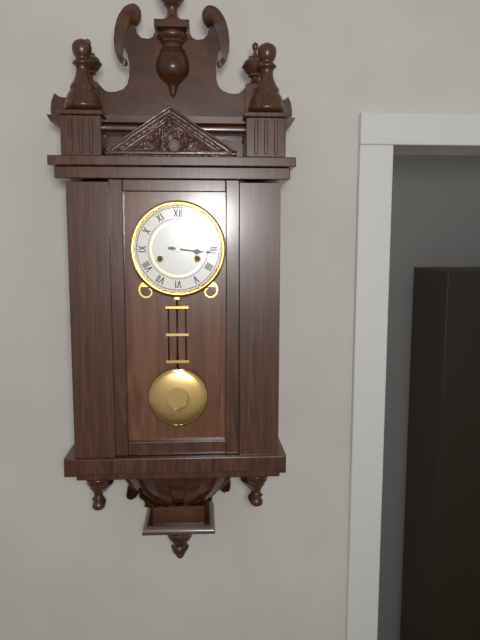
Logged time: 3 h 16 min
